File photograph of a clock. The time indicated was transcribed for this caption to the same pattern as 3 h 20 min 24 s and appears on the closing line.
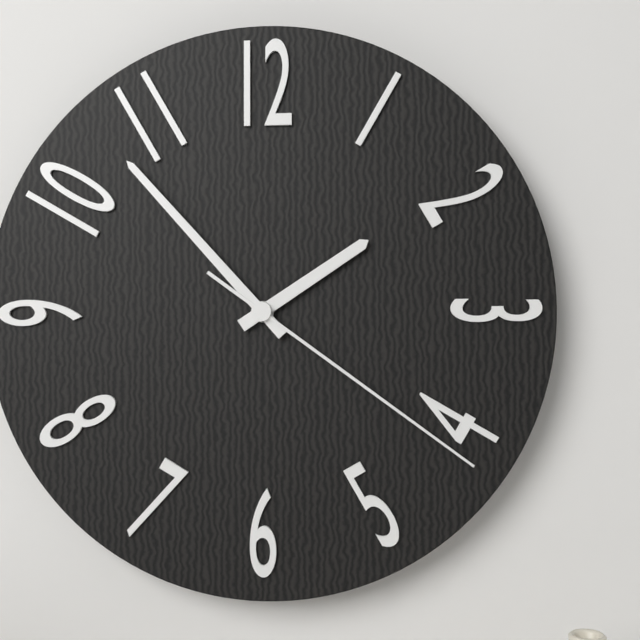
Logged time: 1 h 53 min 21 s
